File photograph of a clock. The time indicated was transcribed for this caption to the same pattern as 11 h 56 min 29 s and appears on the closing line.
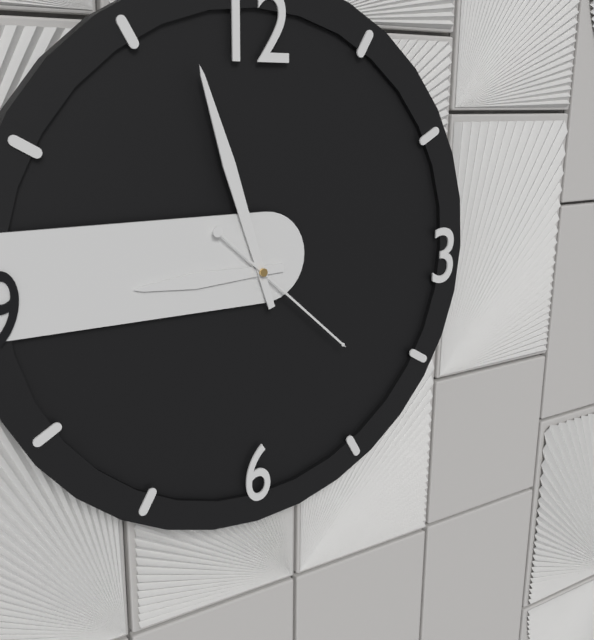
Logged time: 8 h 57 min 22 s
